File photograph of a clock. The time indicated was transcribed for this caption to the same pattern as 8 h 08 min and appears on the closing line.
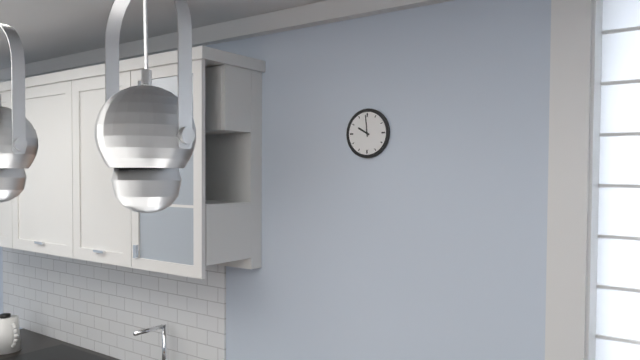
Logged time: 9 h 59 min
